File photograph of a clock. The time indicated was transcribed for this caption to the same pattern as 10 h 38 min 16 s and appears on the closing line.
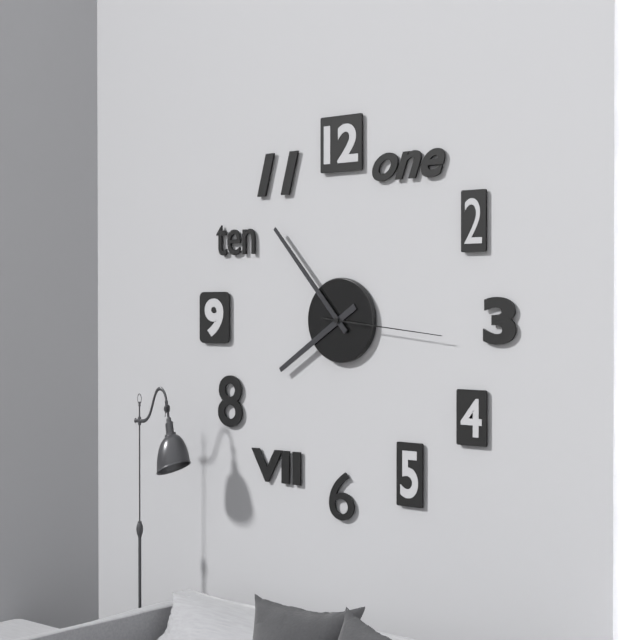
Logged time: 7 h 53 min 16 s
